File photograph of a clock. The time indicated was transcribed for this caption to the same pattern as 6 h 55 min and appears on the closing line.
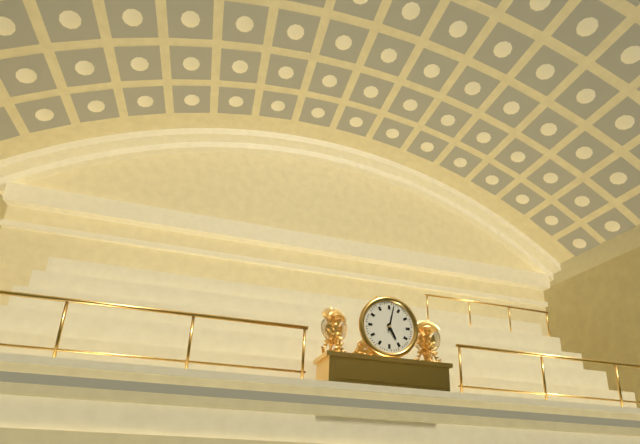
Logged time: 5 h 02 min
